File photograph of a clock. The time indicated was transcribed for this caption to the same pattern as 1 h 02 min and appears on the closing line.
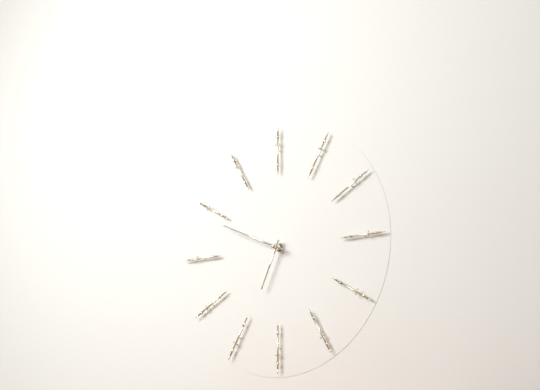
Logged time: 6 h 49 min
